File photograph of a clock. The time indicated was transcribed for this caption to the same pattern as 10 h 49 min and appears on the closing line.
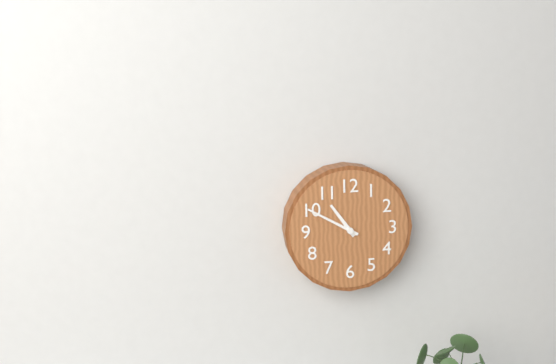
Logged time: 10 h 50 min
